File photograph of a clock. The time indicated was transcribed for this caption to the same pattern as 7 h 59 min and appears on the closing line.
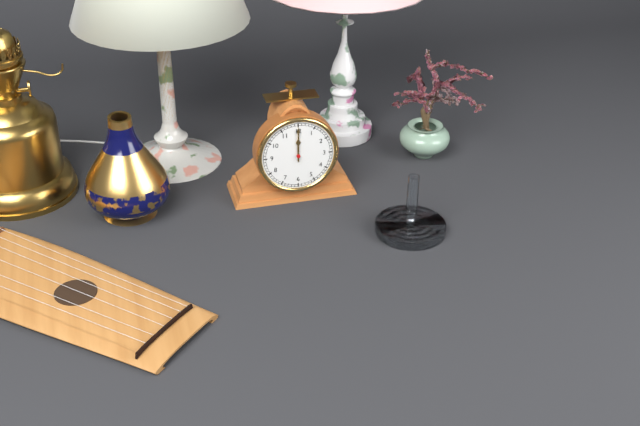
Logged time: 12 h 00 min
